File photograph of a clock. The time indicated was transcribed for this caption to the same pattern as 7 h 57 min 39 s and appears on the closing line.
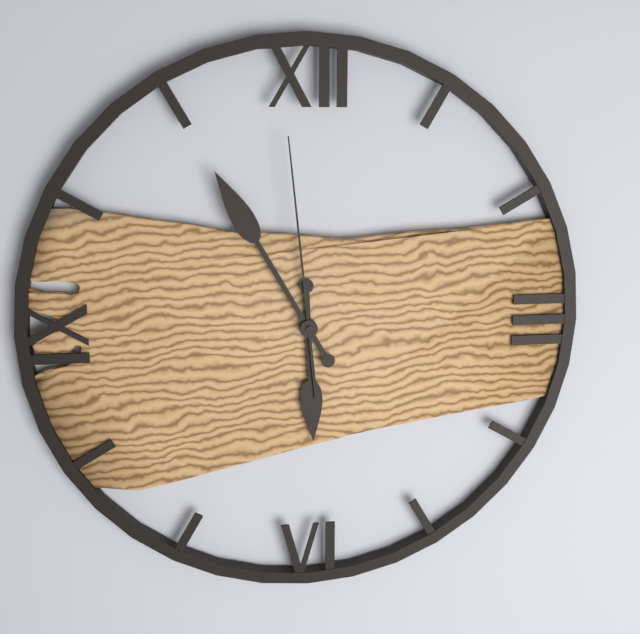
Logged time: 5 h 55 min 59 s
